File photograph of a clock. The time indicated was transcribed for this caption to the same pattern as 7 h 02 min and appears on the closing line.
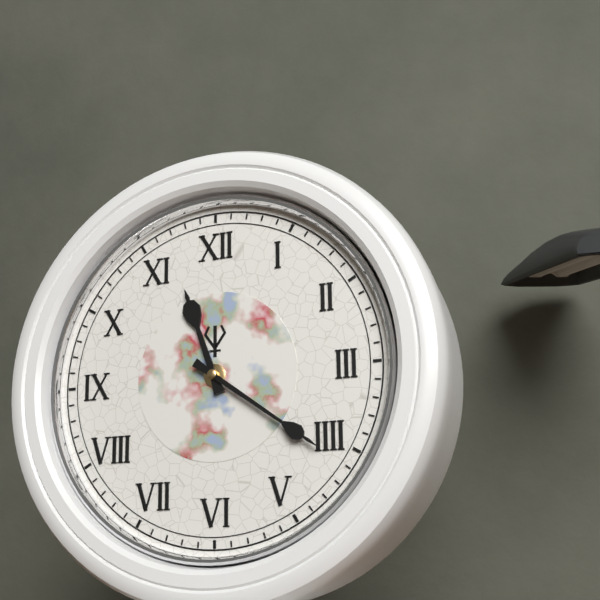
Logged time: 11 h 21 min
